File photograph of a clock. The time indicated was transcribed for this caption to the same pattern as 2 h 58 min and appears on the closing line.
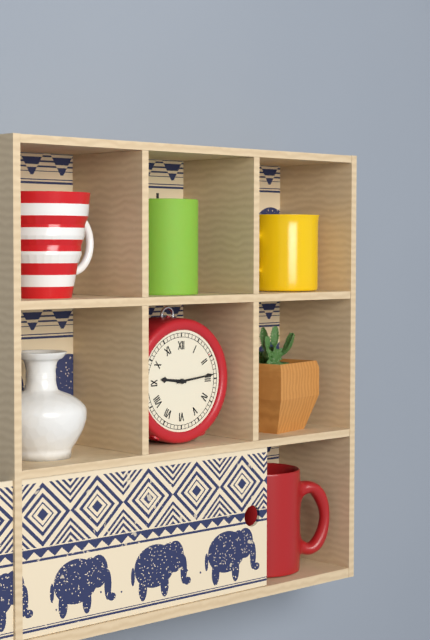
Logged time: 9 h 14 min
